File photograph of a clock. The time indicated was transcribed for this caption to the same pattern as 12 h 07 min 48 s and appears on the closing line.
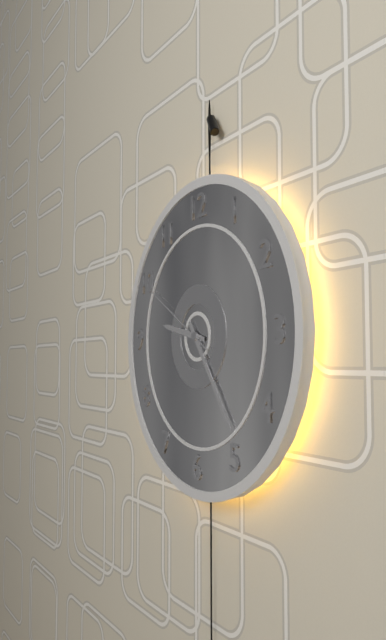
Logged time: 9 h 24 min 50 s
